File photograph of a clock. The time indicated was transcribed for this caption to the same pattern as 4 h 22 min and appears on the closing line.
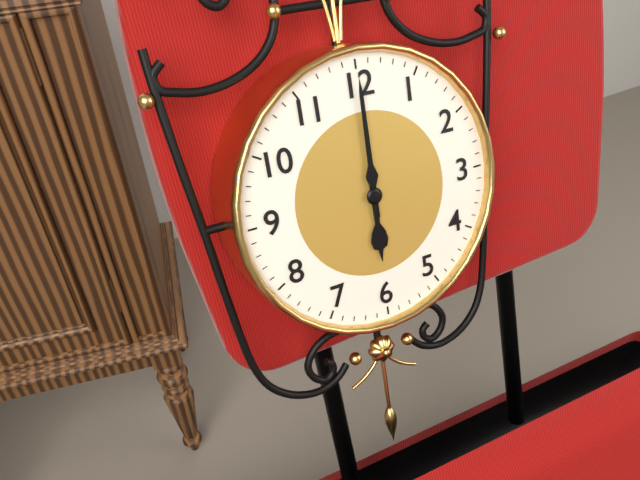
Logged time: 6 h 00 min
